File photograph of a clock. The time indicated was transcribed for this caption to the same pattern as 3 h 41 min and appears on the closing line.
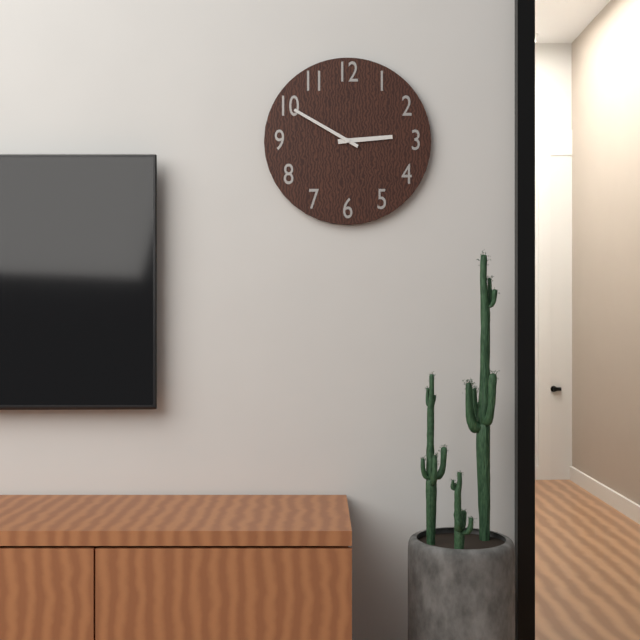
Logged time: 2 h 50 min
